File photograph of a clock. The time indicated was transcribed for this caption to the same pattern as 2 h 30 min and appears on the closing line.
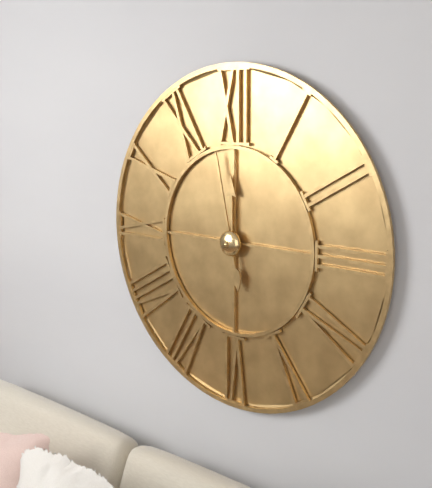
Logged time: 11 h 58 min
